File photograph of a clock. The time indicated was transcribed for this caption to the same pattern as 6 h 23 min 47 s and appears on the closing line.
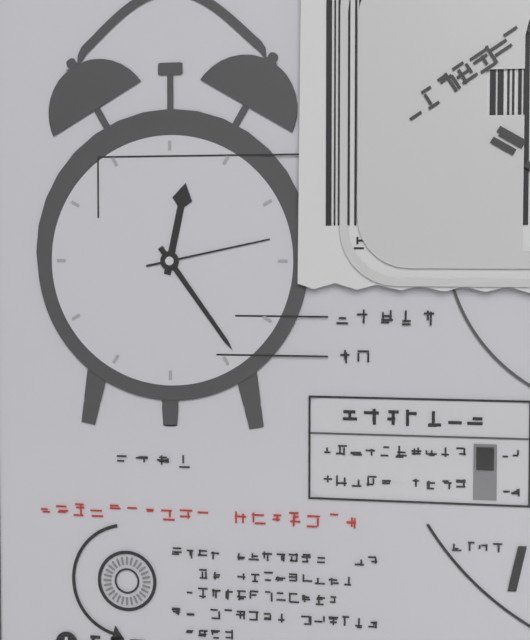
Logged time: 12 h 24 min 13 s
